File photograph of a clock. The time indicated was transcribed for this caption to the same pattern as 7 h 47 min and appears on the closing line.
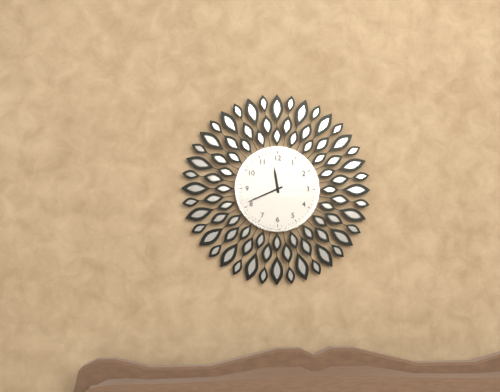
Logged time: 11 h 41 min
